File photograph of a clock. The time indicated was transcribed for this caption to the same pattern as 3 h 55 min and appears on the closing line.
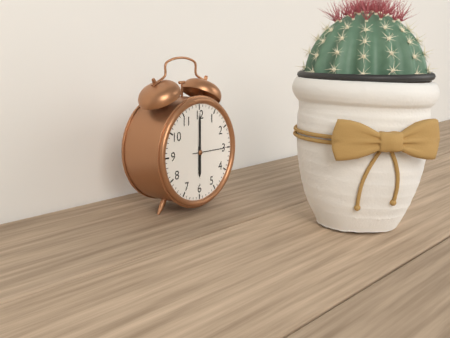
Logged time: 6 h 00 min
